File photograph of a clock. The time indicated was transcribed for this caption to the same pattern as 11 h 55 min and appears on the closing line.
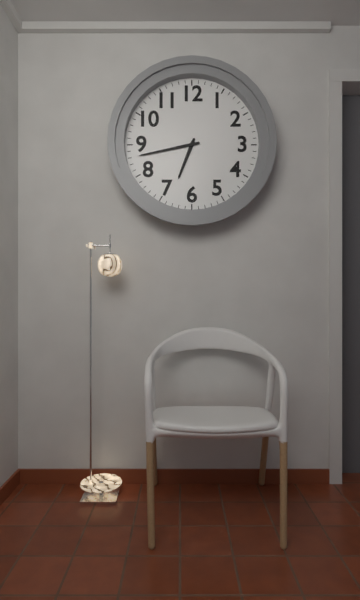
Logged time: 6 h 43 min
